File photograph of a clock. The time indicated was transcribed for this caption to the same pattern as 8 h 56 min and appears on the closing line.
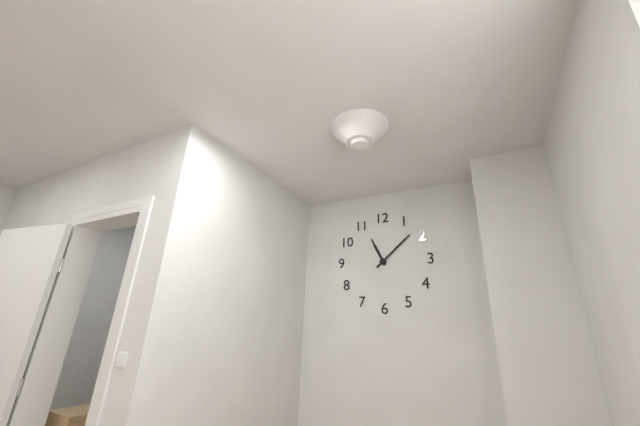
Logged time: 11 h 08 min
